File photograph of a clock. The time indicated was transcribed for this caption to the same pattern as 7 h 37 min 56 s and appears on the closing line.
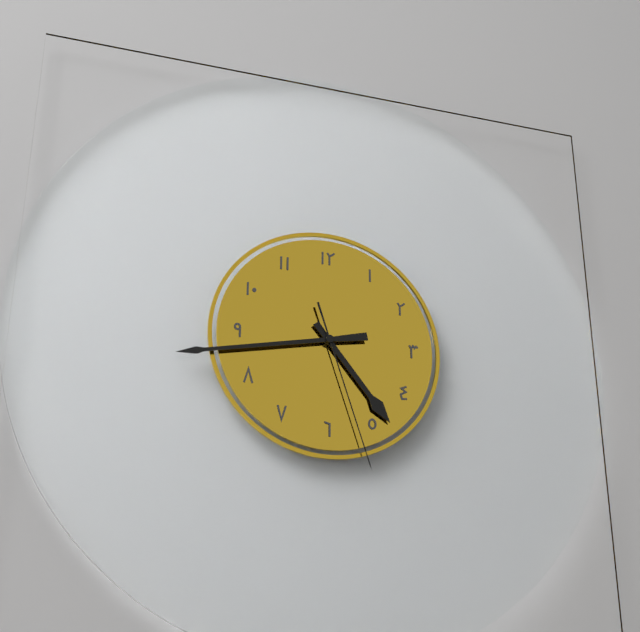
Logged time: 4 h 43 min 27 s
